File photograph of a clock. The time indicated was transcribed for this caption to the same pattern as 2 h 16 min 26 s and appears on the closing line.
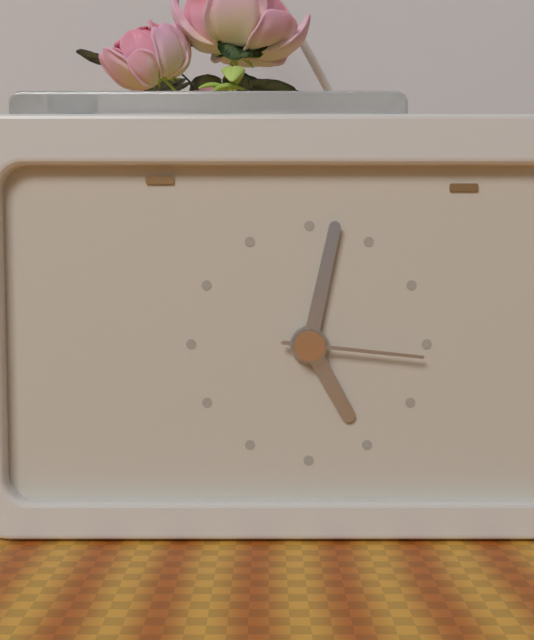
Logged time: 5 h 02 min 16 s
